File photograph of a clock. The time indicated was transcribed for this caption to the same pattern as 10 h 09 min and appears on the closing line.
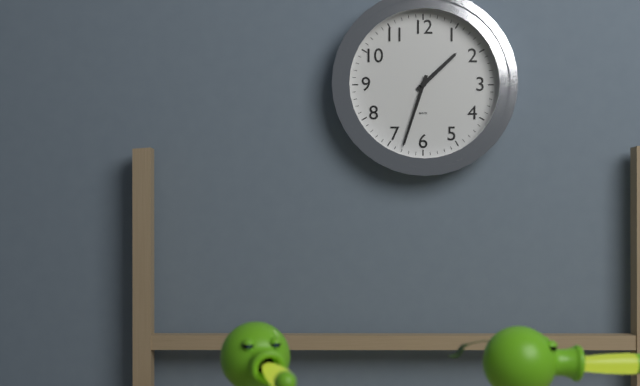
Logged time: 1 h 33 min
